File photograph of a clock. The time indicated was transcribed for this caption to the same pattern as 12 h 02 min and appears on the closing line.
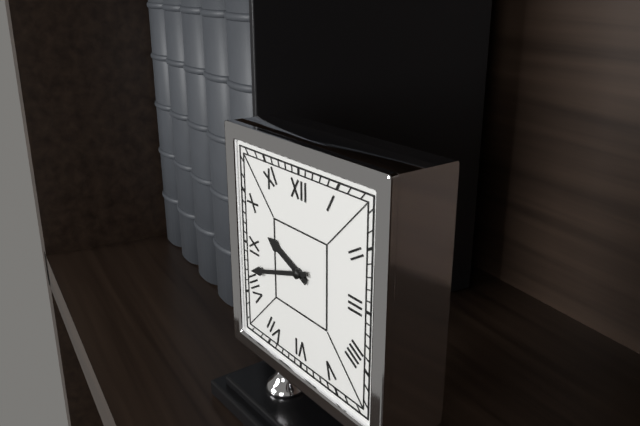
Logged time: 9 h 42 min
